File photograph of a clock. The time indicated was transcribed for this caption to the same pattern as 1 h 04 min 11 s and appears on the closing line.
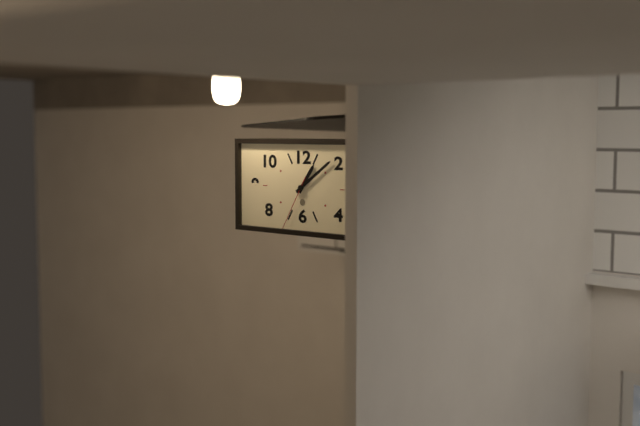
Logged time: 1 h 09 min 35 s
